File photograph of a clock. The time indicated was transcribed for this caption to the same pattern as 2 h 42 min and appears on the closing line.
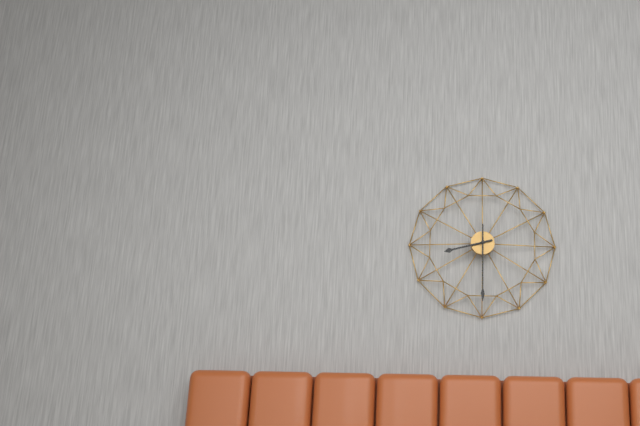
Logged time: 8 h 30 min
